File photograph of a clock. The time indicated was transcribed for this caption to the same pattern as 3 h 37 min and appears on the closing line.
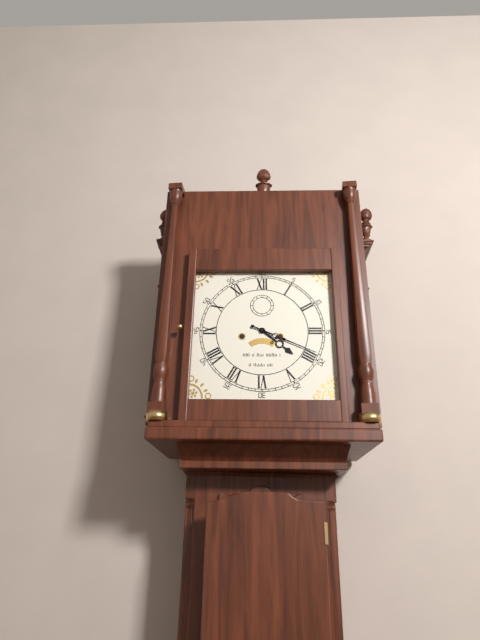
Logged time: 4 h 19 min
